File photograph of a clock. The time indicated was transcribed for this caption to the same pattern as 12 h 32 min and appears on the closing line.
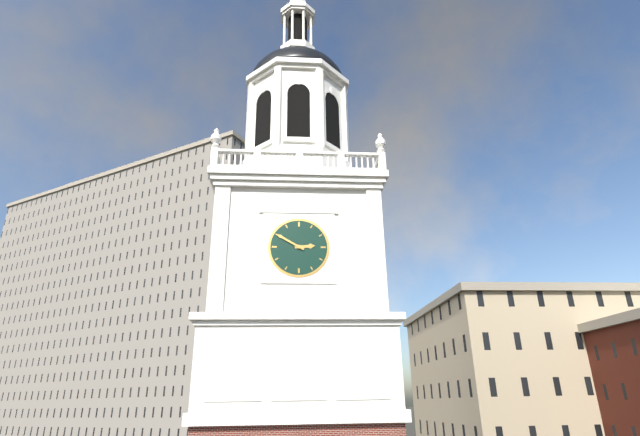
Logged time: 2 h 50 min
